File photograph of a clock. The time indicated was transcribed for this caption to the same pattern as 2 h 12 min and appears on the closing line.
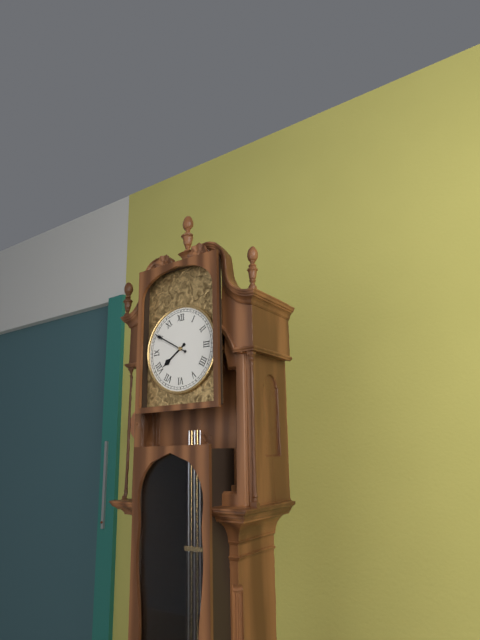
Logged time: 7 h 50 min
